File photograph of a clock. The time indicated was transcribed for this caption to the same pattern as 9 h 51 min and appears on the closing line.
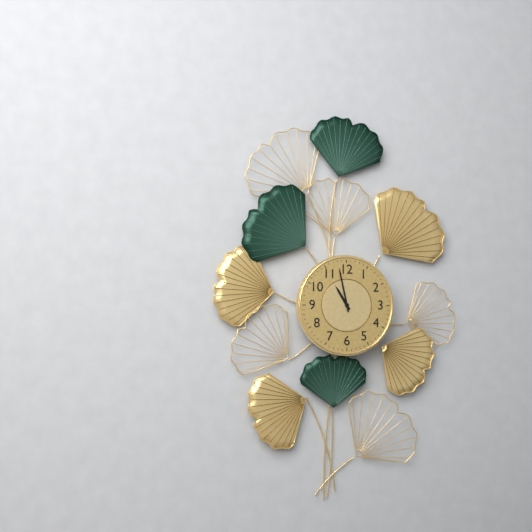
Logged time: 10 h 58 min
